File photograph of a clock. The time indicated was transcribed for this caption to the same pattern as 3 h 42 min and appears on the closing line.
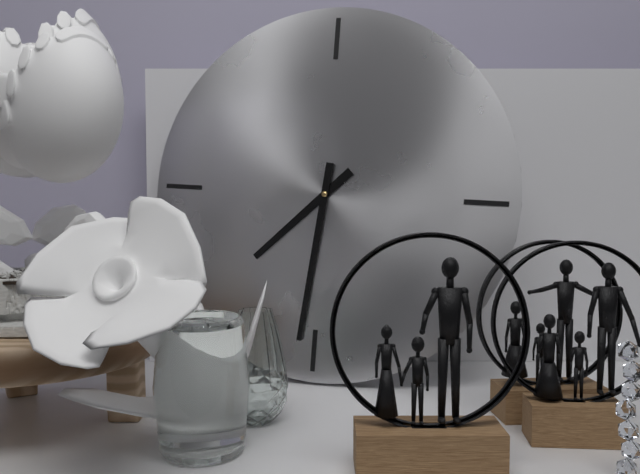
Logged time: 7 h 31 min
